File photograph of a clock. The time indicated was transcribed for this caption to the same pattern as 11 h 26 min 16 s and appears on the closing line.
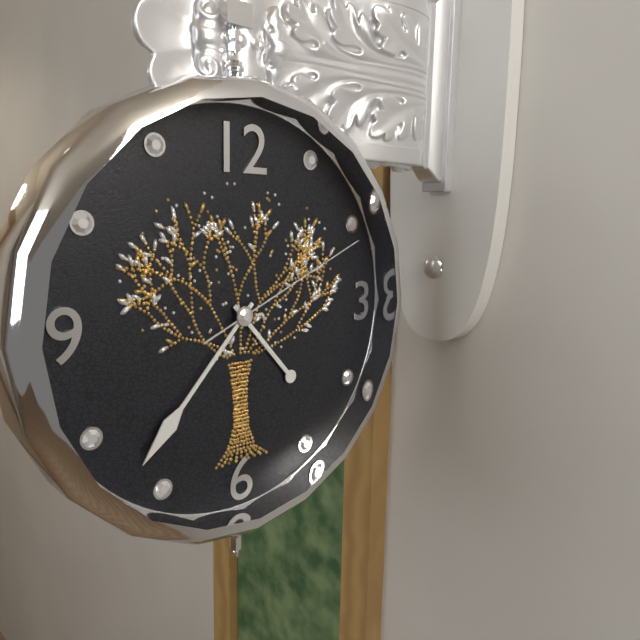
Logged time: 4 h 37 min 11 s
